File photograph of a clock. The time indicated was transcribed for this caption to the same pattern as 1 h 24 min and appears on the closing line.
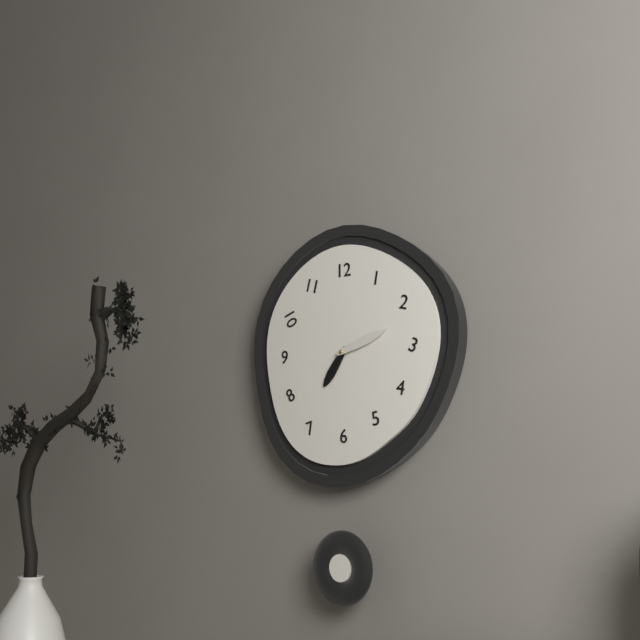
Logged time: 7 h 12 min
